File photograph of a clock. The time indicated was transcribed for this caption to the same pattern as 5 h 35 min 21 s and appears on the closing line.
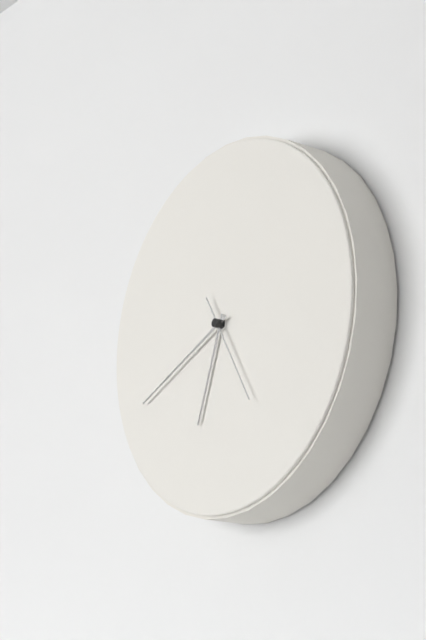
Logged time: 6 h 41 min 25 s
